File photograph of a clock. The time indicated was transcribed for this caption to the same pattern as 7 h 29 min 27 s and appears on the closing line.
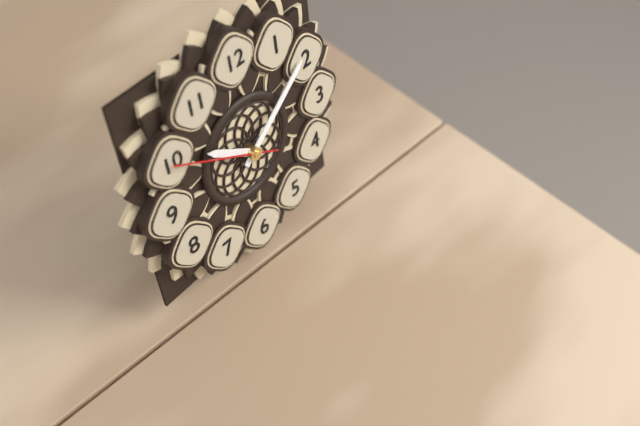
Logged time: 10 h 09 min 50 s
